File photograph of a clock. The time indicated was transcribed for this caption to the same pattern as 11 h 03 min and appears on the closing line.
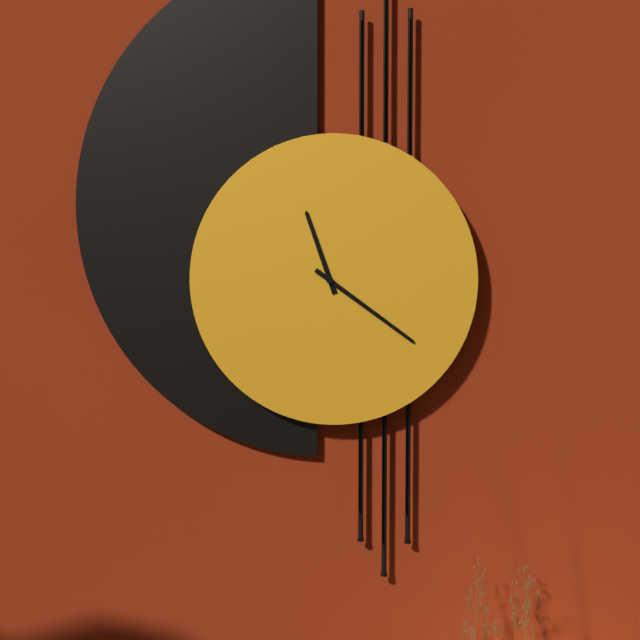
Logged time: 11 h 21 min
